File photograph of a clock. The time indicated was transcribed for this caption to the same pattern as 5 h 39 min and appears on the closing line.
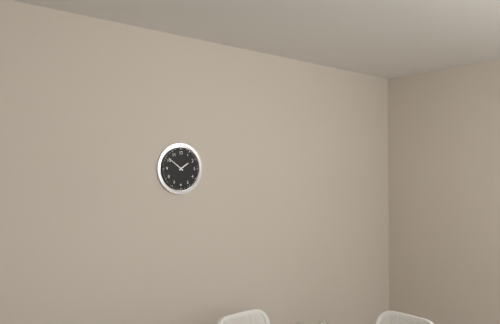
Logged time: 1 h 51 min
